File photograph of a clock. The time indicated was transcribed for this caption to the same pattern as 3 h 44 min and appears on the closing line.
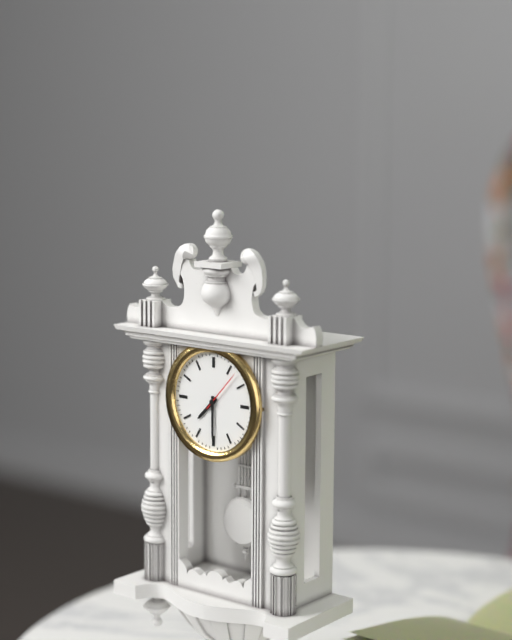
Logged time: 7 h 30 min
